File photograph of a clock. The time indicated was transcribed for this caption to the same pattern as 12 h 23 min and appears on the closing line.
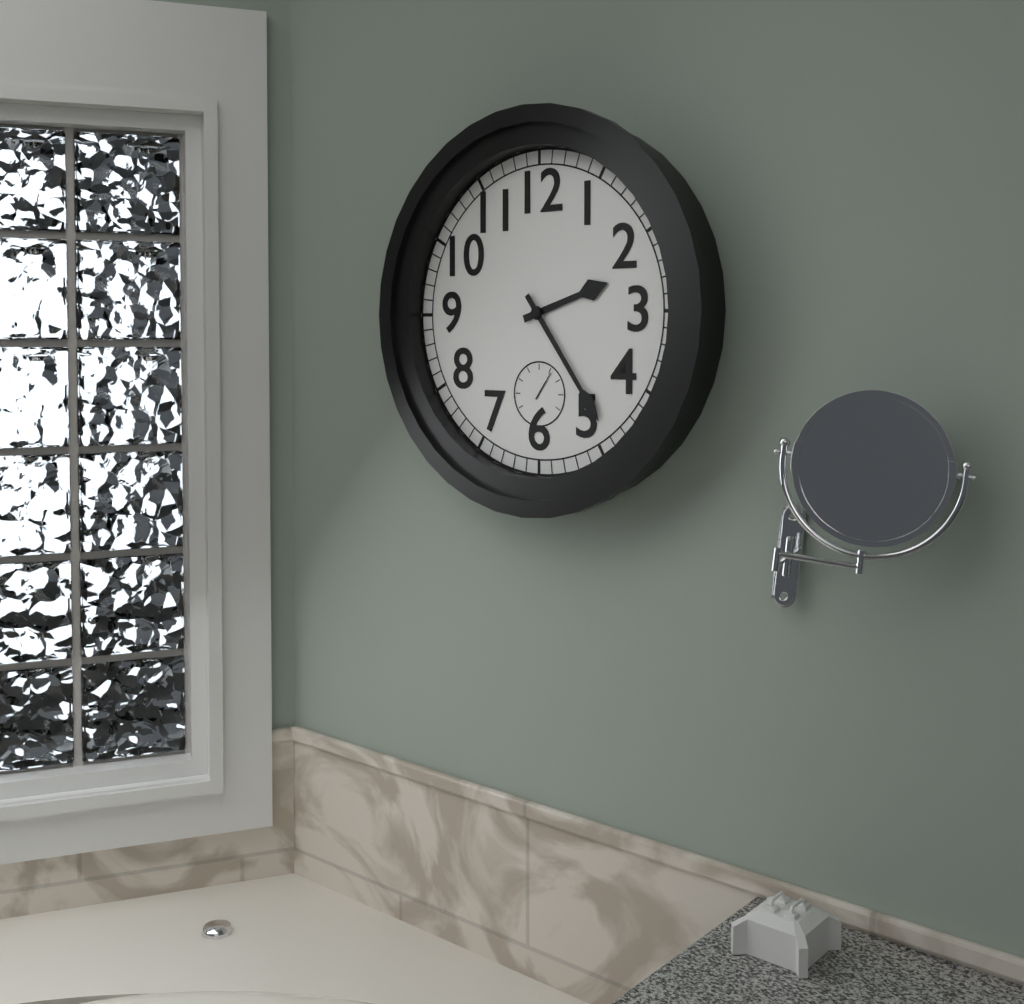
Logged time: 2 h 24 min
